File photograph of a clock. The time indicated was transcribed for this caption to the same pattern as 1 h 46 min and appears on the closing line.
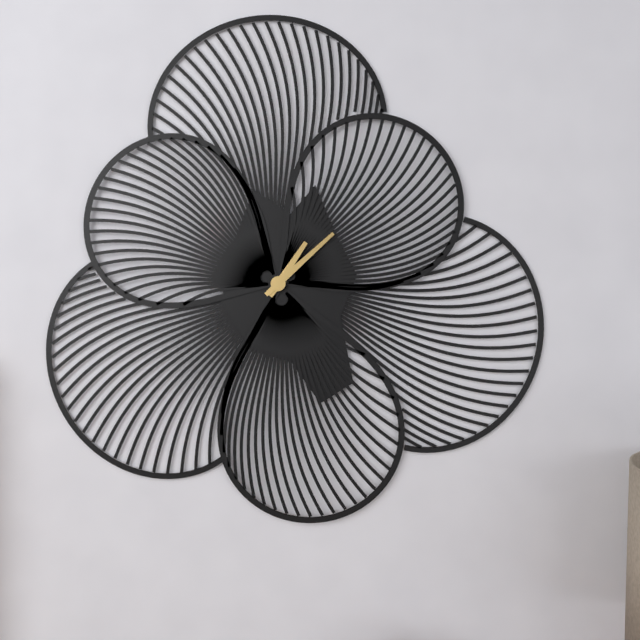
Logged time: 1 h 08 min
